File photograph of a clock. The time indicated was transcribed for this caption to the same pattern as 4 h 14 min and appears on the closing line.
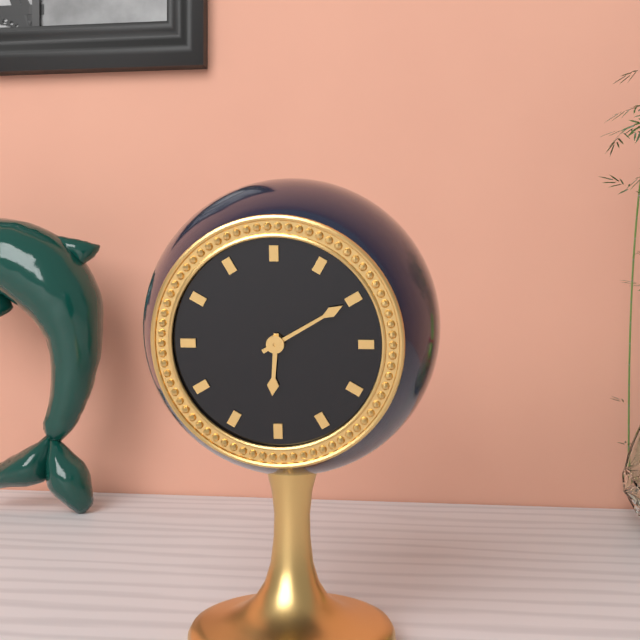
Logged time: 6 h 10 min
